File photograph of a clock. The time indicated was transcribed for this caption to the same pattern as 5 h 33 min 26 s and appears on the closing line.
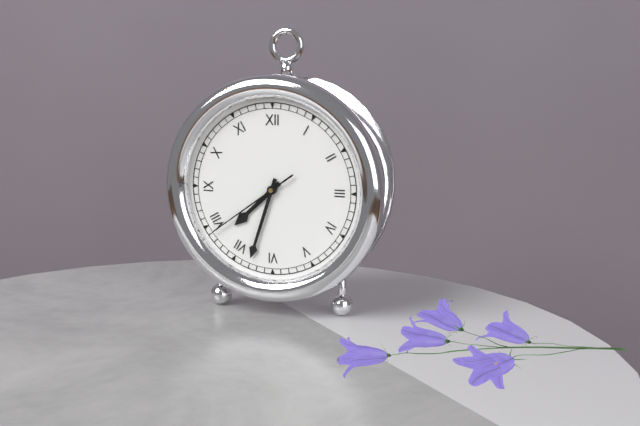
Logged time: 7 h 33 min 39 s
